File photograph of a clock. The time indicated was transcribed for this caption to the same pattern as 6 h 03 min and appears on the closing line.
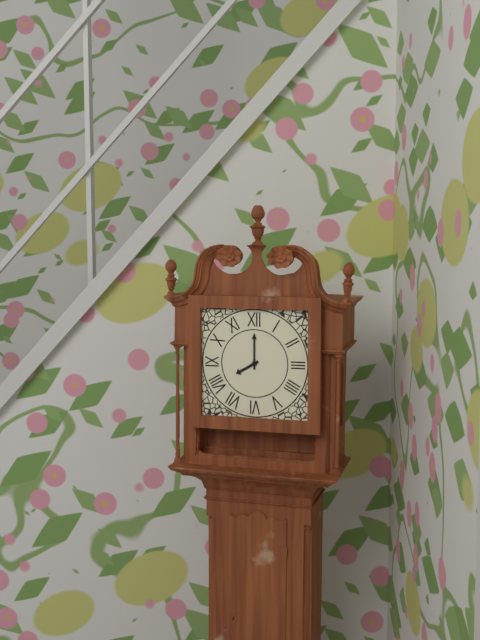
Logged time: 8 h 00 min
